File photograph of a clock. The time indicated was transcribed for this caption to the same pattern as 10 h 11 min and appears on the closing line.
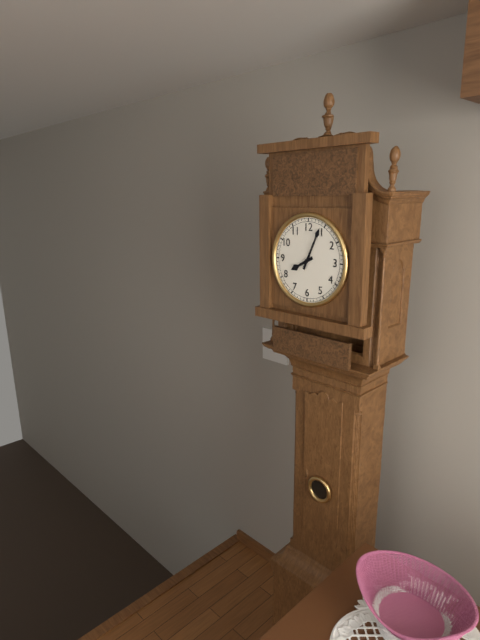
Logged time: 8 h 04 min
